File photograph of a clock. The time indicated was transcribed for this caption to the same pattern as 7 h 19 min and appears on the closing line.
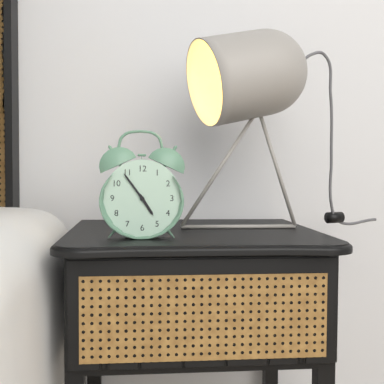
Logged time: 4 h 54 min
